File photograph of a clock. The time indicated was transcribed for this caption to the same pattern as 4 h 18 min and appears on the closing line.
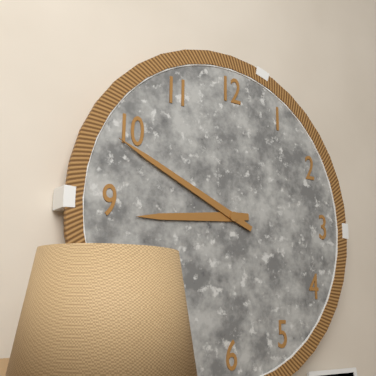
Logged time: 8 h 49 min
